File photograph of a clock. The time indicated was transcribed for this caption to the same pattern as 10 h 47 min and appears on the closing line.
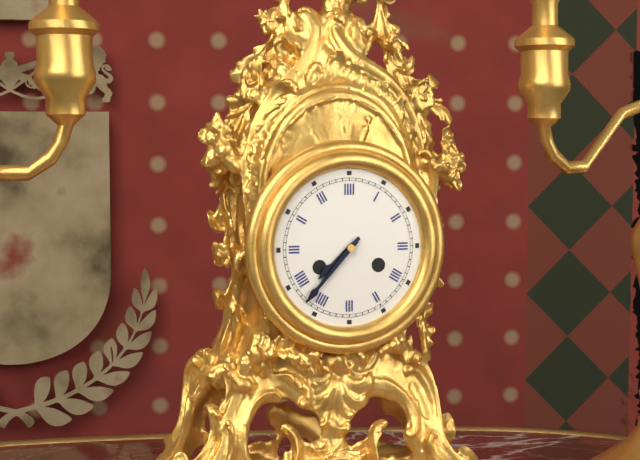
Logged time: 7 h 37 min
